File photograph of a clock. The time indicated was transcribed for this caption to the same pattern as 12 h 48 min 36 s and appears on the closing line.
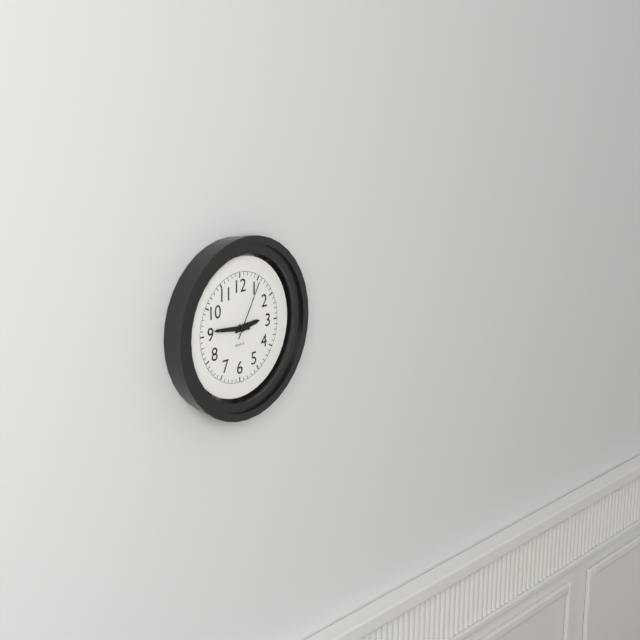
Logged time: 2 h 46 min 05 s
